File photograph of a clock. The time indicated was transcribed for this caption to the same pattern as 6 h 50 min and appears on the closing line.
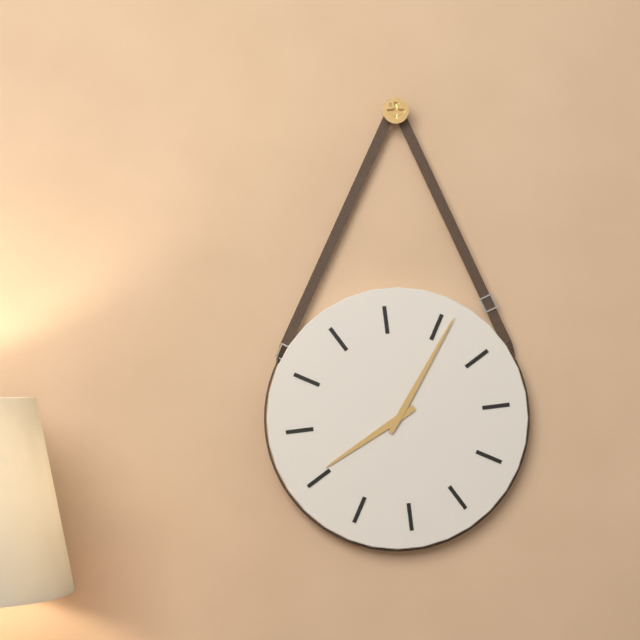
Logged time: 8 h 06 min
